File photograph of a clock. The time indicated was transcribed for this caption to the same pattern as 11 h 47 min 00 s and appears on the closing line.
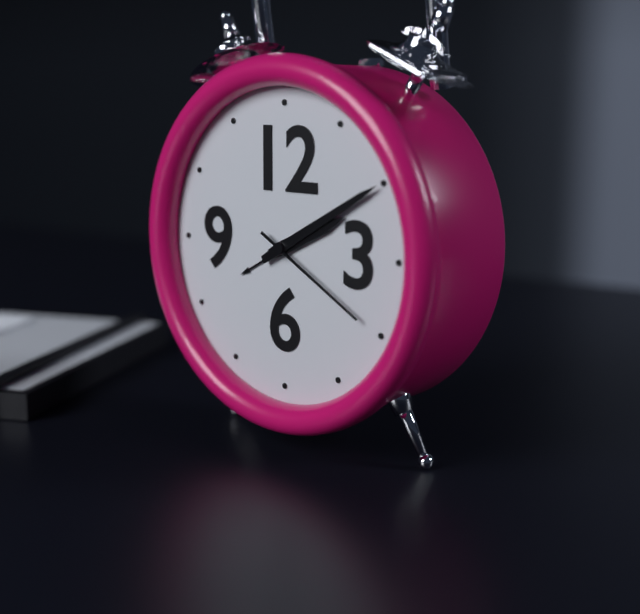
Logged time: 2 h 10 min 20 s
